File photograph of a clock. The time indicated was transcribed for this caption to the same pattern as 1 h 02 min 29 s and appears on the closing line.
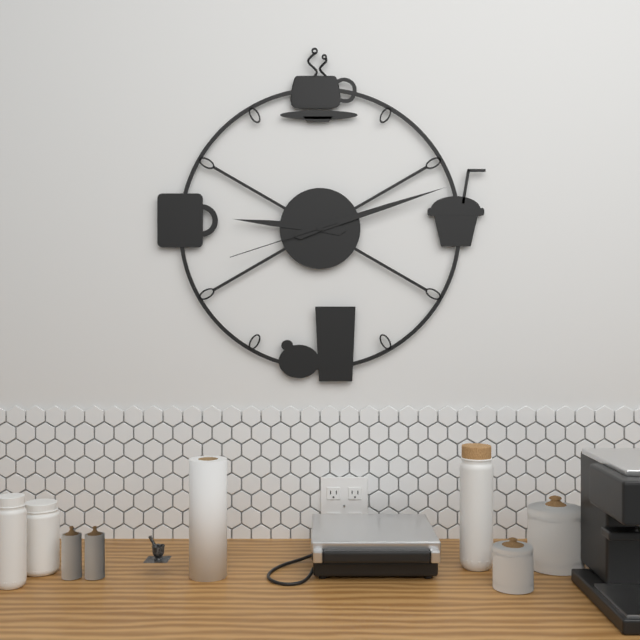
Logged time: 9 h 12 min 42 s
